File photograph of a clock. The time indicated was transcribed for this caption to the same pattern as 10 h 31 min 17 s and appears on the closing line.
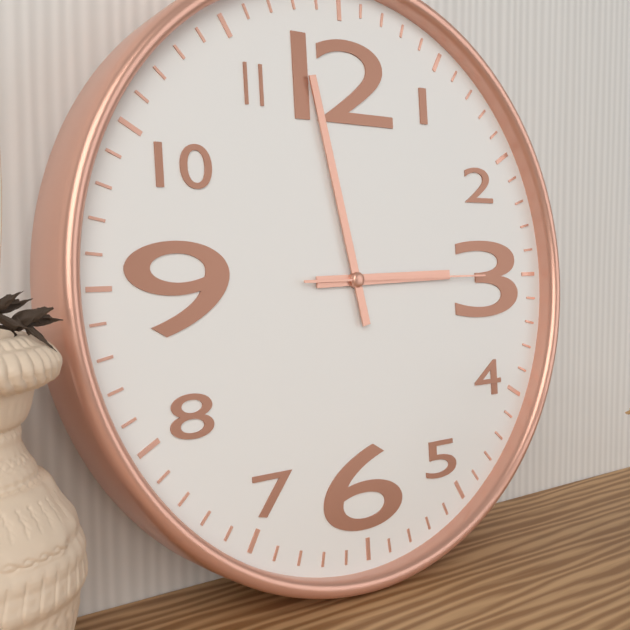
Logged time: 2 h 58 min 15 s
